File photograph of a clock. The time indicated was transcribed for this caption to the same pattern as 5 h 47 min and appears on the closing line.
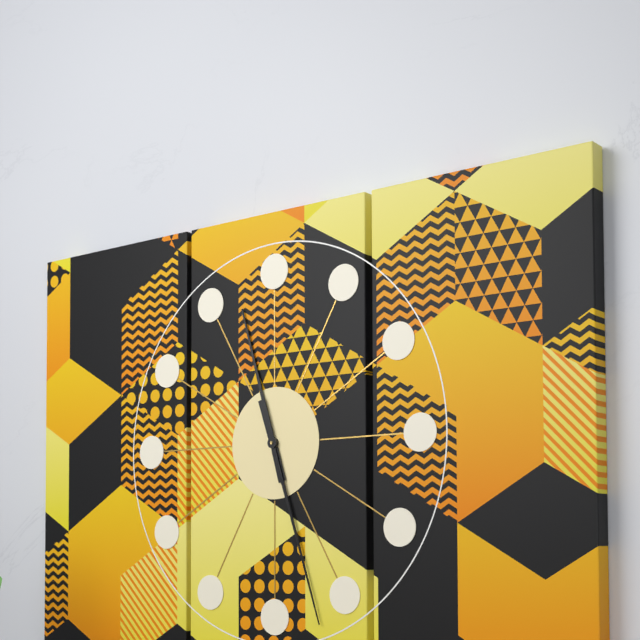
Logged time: 11 h 27 min
